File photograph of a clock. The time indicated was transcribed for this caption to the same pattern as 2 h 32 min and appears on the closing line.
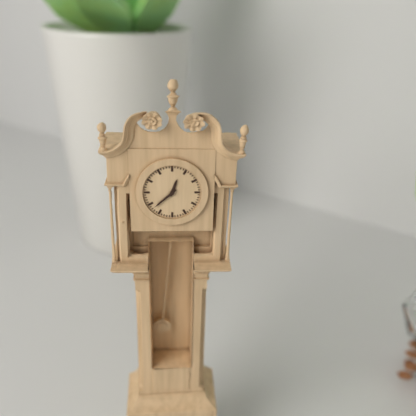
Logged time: 12 h 38 min
